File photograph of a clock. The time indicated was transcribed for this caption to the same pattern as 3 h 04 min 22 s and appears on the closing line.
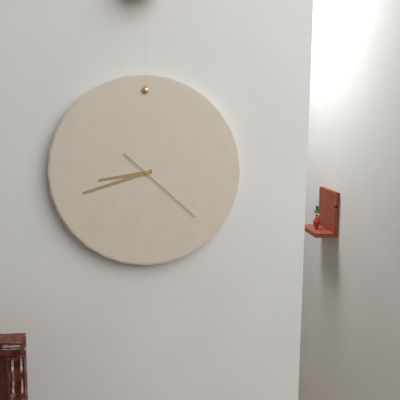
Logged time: 8 h 42 min 22 s
